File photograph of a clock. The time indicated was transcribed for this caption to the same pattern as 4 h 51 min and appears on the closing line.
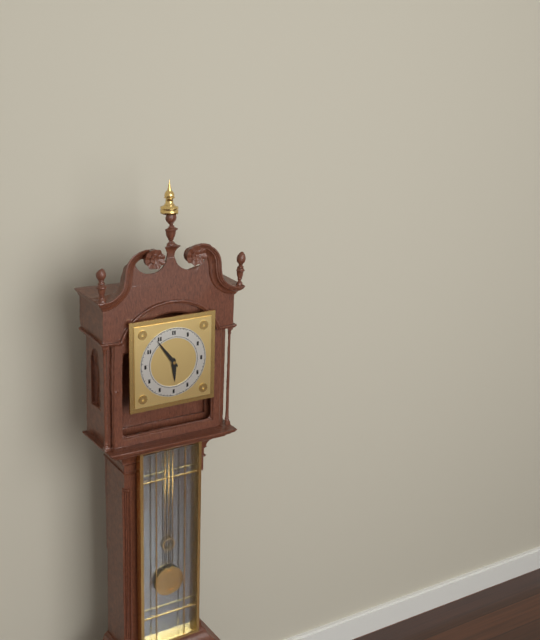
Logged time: 5 h 54 min
